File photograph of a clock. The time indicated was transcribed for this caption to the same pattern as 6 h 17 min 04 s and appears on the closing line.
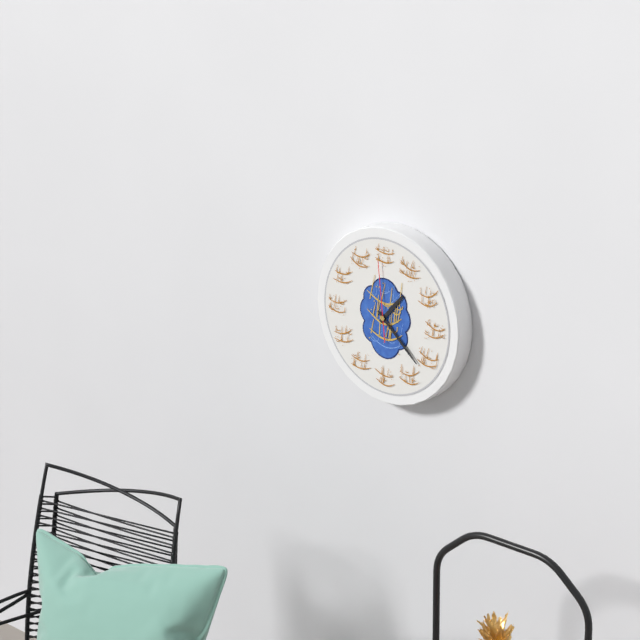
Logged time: 1 h 22 min 59 s
